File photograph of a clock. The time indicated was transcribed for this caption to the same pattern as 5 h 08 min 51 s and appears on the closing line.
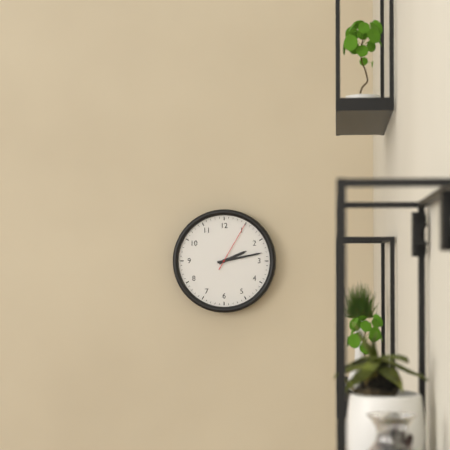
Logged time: 2 h 13 min 05 s
